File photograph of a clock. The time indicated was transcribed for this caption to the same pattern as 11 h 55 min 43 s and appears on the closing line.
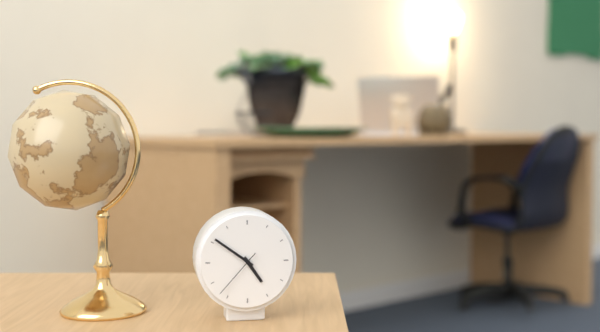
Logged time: 4 h 51 min 37 s
